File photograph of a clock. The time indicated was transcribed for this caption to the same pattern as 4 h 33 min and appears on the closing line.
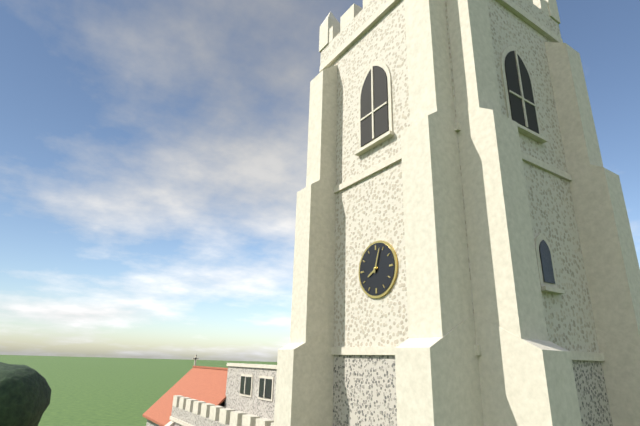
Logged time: 8 h 03 min
